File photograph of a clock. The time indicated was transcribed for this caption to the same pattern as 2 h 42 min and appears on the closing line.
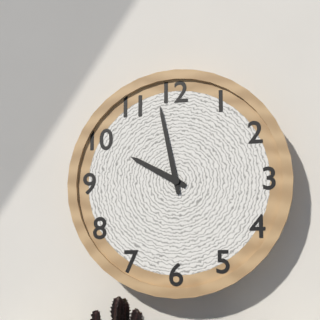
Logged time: 9 h 58 min
